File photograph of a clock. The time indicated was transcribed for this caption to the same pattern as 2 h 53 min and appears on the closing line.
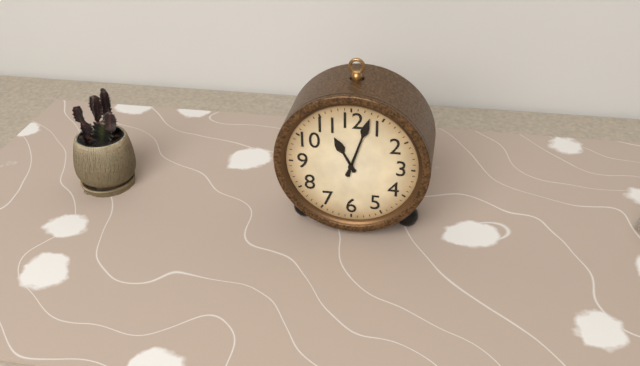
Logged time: 11 h 03 min
